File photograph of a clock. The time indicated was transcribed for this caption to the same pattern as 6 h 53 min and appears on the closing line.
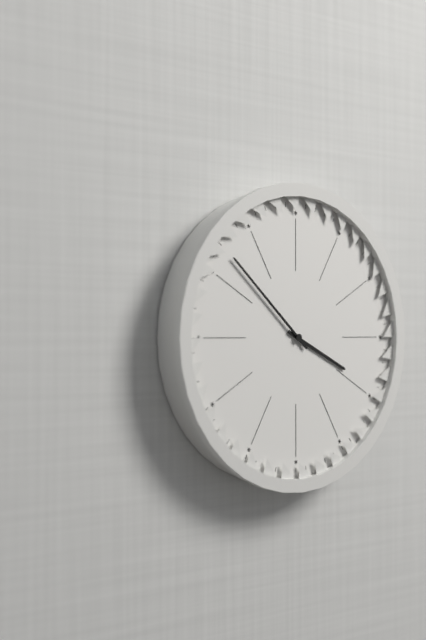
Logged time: 3 h 52 min
